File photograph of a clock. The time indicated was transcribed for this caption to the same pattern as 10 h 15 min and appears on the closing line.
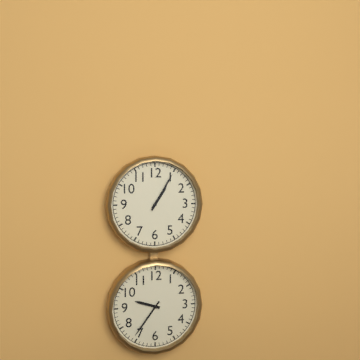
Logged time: 1 h 05 min
